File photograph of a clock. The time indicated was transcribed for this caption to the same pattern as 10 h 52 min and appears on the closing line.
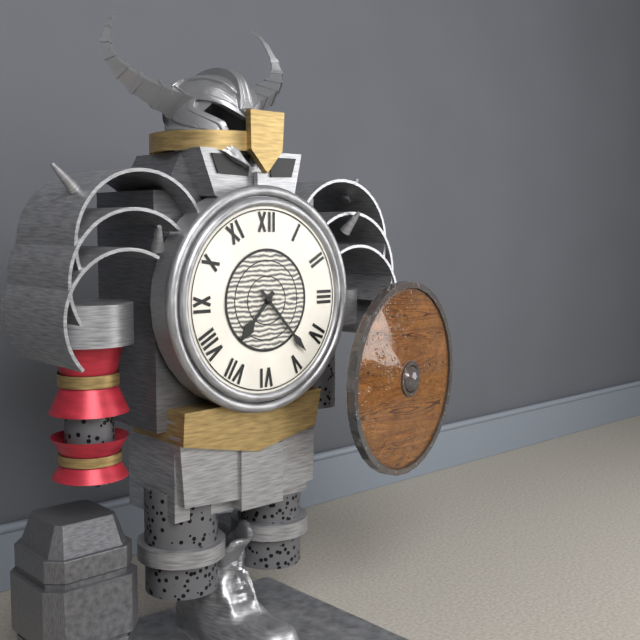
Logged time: 7 h 23 min
